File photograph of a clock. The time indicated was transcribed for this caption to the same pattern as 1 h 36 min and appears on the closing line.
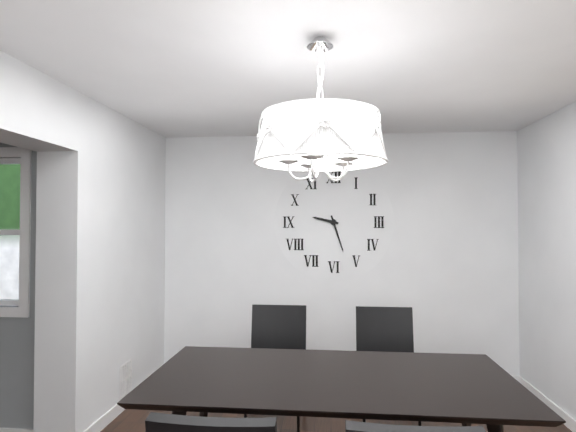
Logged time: 9 h 27 min
